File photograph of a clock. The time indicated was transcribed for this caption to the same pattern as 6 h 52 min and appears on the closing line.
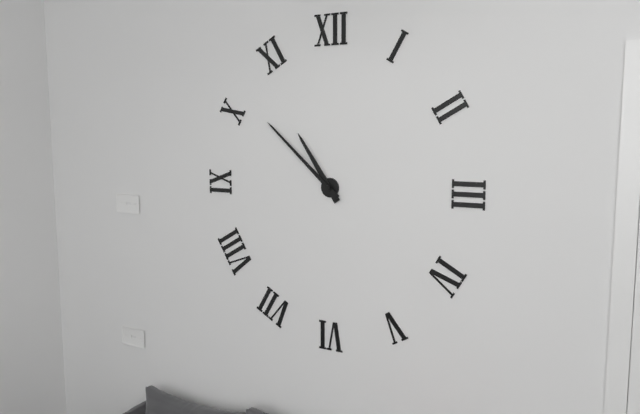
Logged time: 10 h 52 min
